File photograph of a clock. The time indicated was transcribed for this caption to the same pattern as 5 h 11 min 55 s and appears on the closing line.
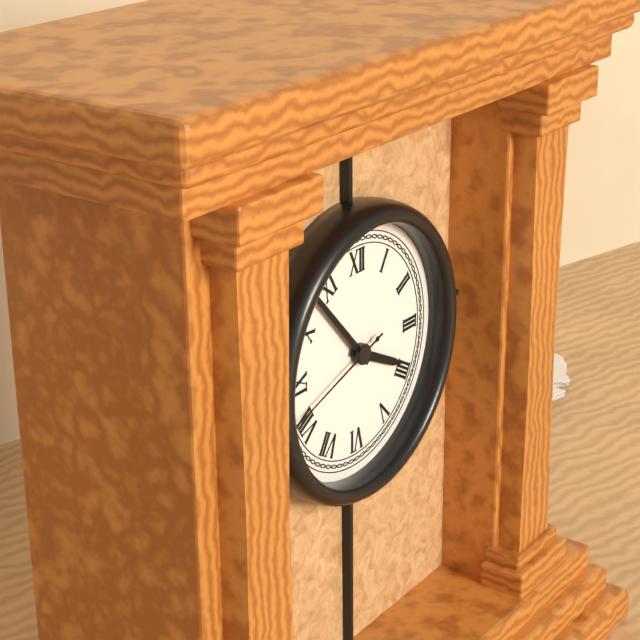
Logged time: 3 h 53 min 42 s
